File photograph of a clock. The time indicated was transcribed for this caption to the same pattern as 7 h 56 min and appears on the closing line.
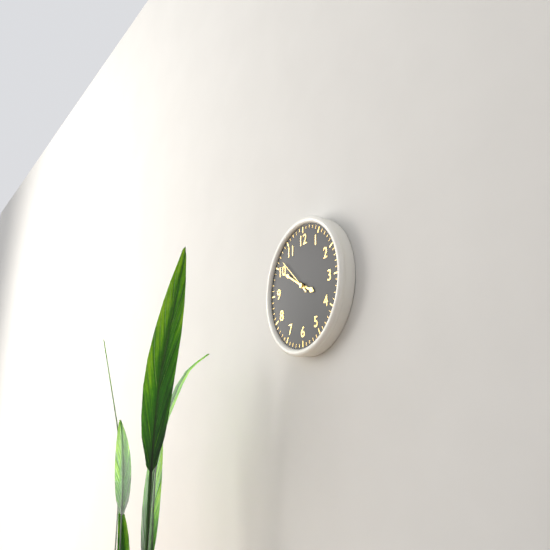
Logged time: 3 h 50 min
